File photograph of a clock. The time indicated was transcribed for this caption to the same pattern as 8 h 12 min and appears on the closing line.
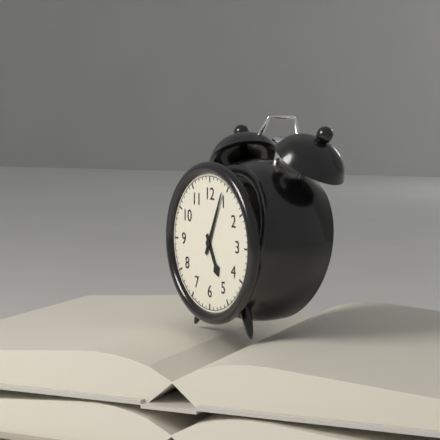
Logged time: 5 h 04 min
